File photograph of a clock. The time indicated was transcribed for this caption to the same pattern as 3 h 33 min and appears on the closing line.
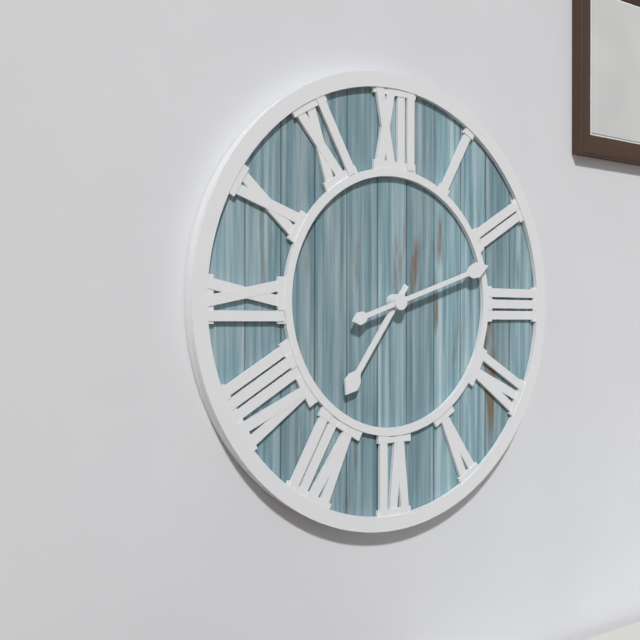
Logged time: 7 h 12 min
